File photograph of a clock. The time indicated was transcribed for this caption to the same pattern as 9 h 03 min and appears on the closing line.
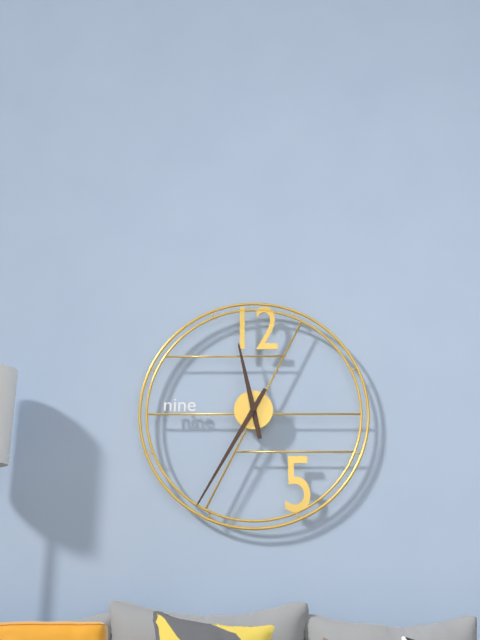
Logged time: 11 h 35 min
